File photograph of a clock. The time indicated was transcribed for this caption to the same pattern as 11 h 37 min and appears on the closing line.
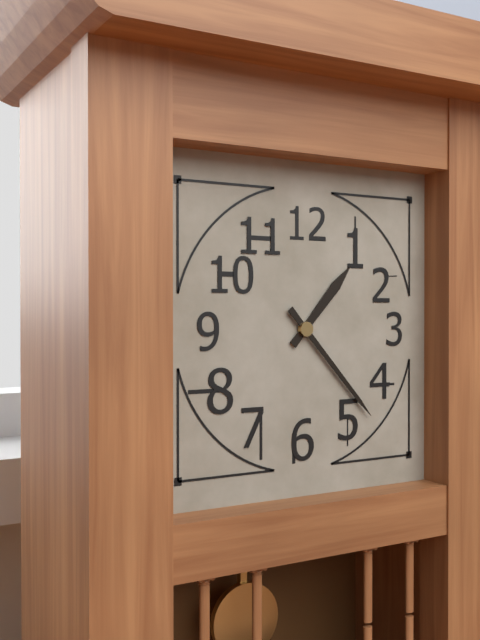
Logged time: 1 h 23 min
